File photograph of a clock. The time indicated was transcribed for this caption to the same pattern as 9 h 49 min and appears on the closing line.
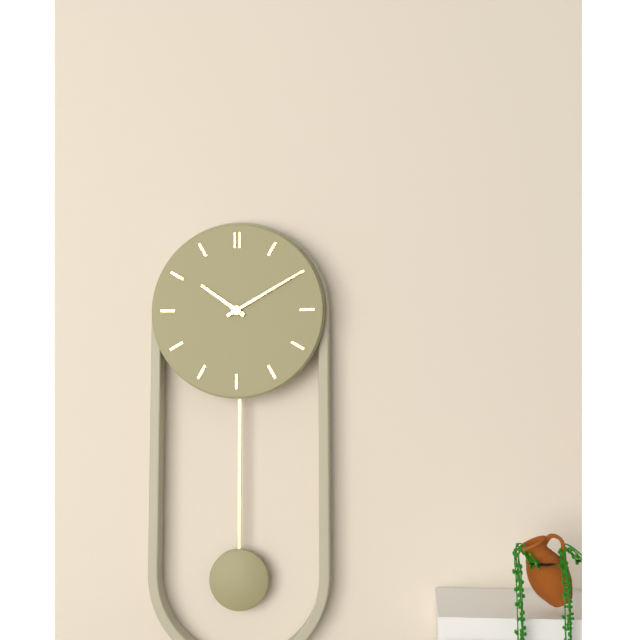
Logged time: 10 h 10 min
